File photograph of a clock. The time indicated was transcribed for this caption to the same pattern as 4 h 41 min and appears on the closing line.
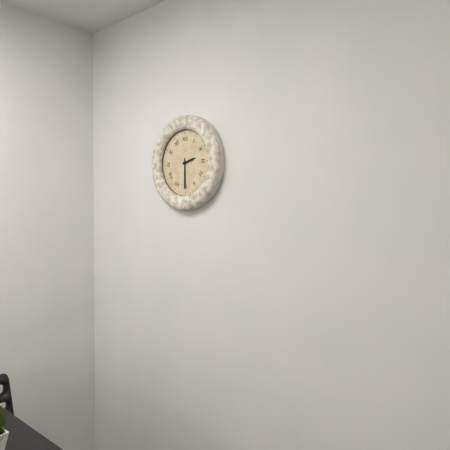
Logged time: 2 h 30 min
